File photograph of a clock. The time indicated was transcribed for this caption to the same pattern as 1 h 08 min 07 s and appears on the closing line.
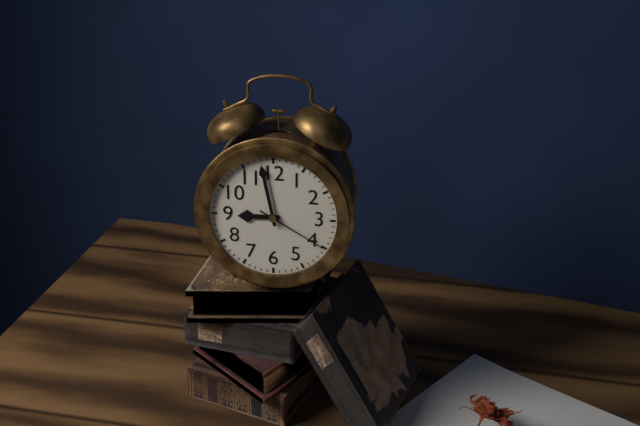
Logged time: 8 h 58 min 20 s
